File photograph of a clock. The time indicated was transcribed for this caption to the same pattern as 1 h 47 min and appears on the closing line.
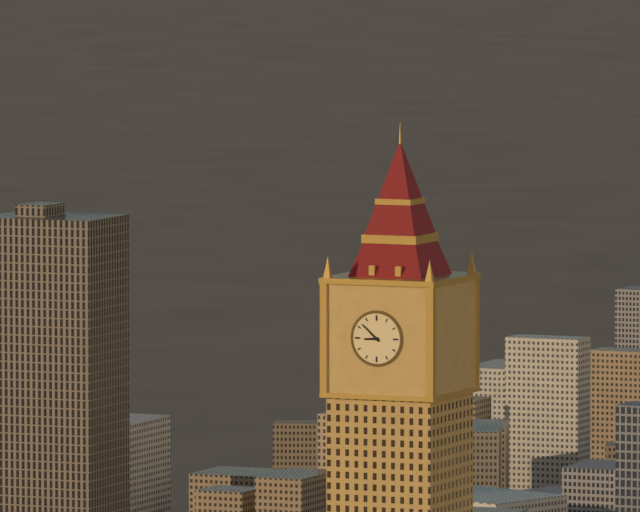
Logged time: 8 h 52 min
